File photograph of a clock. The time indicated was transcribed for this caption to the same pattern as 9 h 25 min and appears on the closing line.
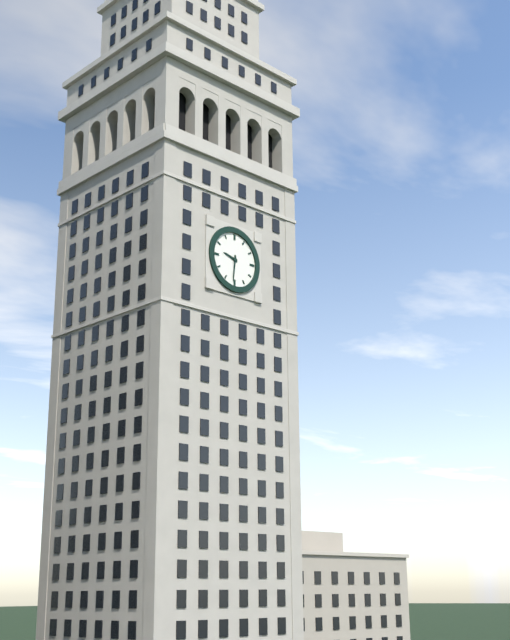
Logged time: 9 h 31 min
